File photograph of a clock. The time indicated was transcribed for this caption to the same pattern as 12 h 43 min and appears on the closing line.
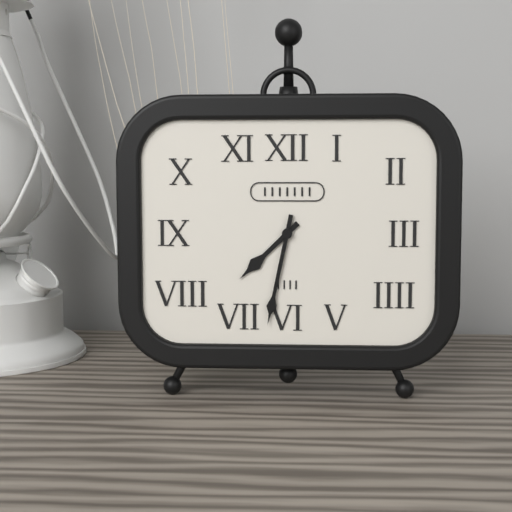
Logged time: 7 h 32 min
